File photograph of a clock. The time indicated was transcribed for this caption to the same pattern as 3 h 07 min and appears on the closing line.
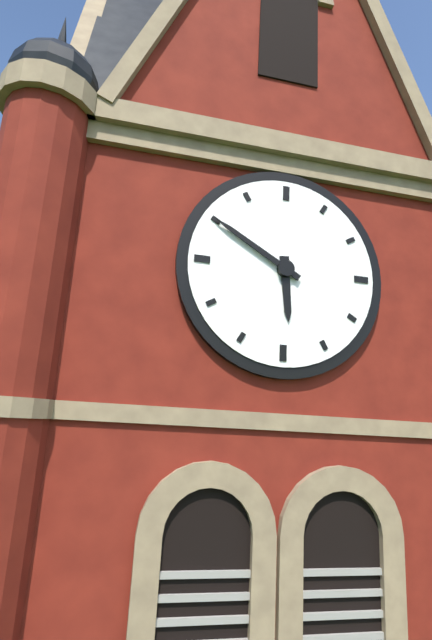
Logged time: 5 h 50 min
